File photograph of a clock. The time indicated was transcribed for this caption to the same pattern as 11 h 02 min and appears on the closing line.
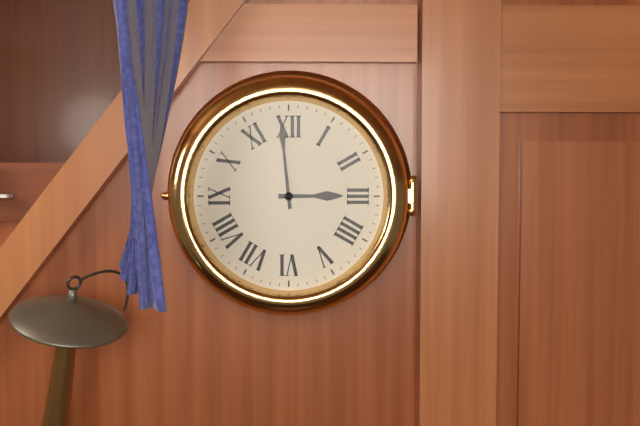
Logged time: 2 h 59 min
